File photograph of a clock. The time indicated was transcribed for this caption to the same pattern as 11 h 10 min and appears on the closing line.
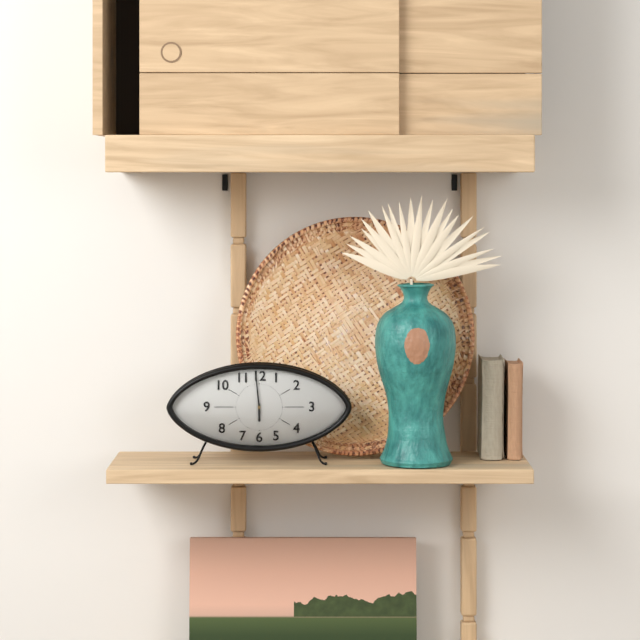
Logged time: 5 h 59 min
